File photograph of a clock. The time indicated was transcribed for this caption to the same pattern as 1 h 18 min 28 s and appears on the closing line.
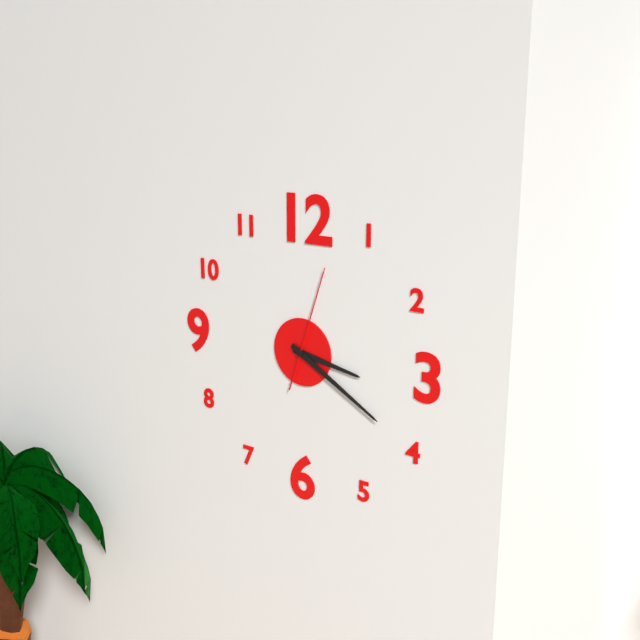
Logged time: 3 h 20 min 03 s
